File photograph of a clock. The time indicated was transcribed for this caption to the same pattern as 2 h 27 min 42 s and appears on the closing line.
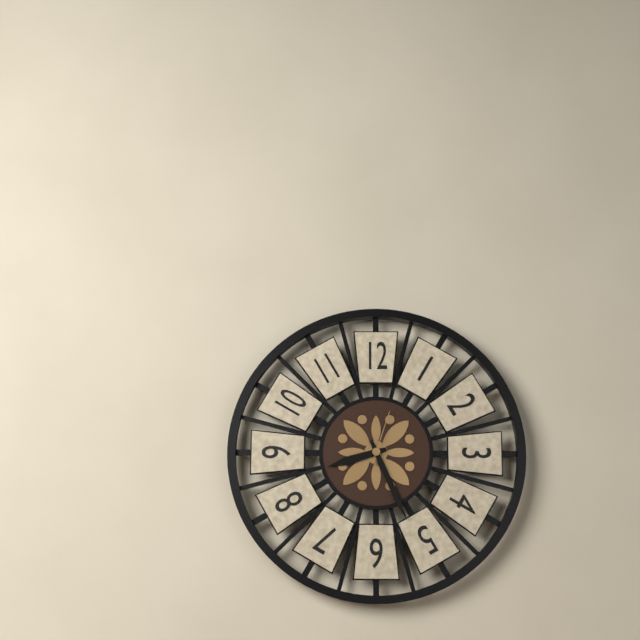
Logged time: 8 h 26 min 03 s
